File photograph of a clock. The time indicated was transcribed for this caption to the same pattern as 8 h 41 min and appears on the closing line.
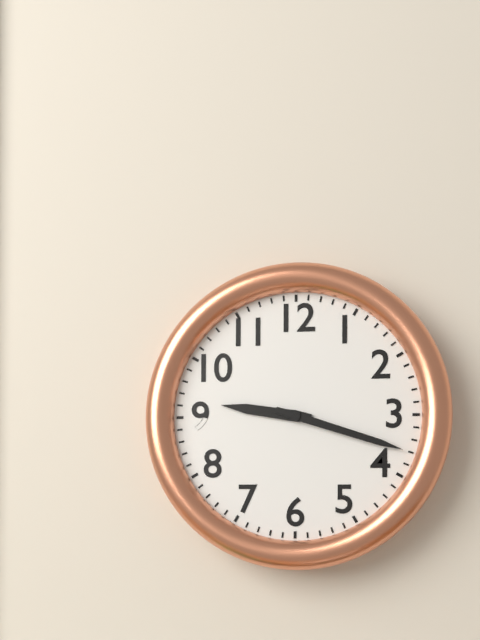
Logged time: 9 h 18 min
